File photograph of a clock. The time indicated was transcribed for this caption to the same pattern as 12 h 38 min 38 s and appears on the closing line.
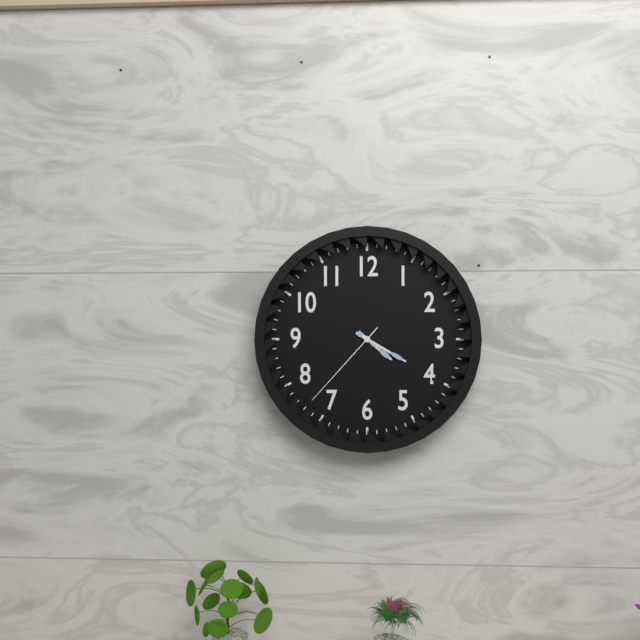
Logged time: 4 h 20 min 37 s
